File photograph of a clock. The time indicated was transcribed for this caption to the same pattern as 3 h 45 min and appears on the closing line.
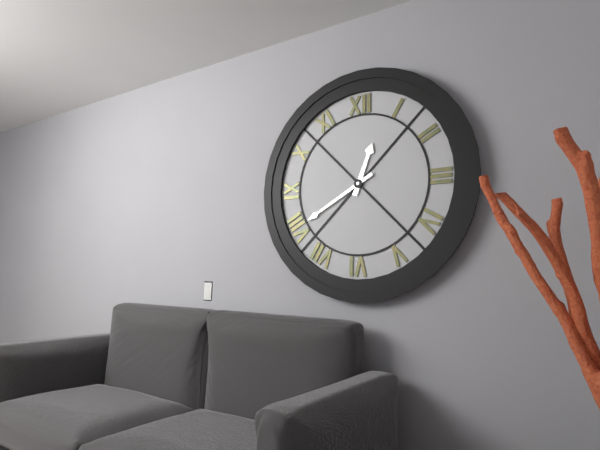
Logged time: 12 h 40 min
